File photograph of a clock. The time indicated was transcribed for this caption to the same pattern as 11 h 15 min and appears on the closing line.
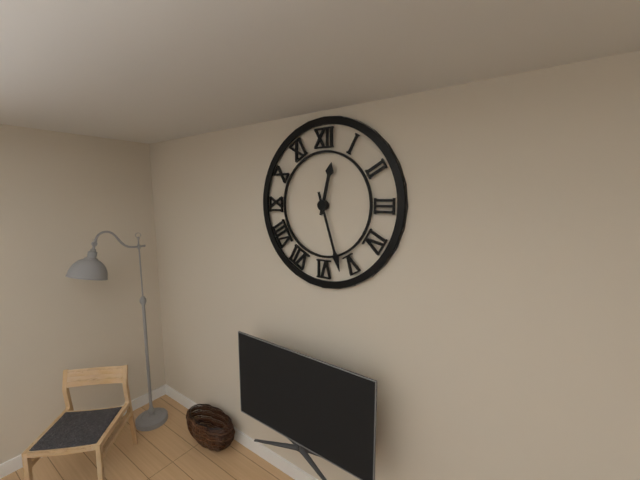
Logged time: 12 h 27 min
